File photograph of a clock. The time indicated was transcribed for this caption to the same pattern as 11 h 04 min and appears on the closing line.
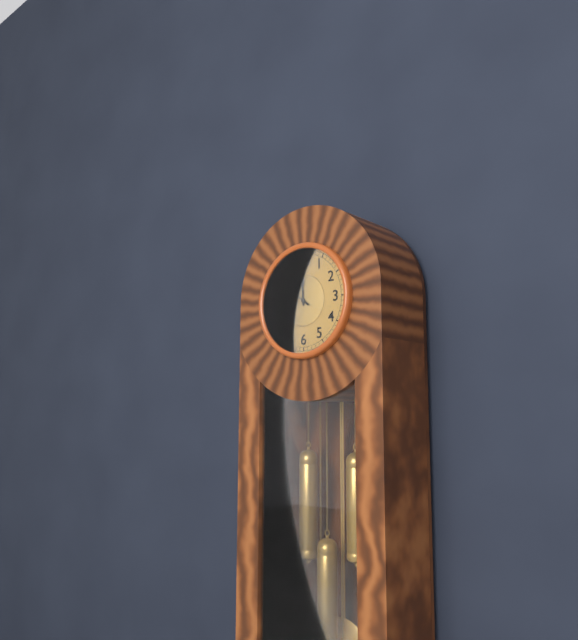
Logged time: 11 h 51 min
